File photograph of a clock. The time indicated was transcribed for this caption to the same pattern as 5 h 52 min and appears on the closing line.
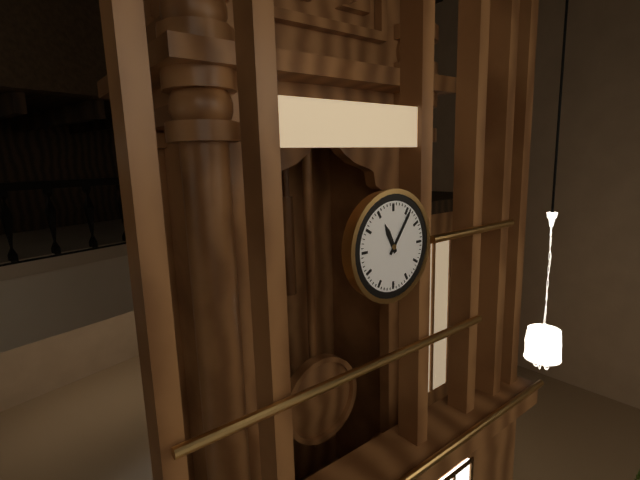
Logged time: 11 h 06 min
